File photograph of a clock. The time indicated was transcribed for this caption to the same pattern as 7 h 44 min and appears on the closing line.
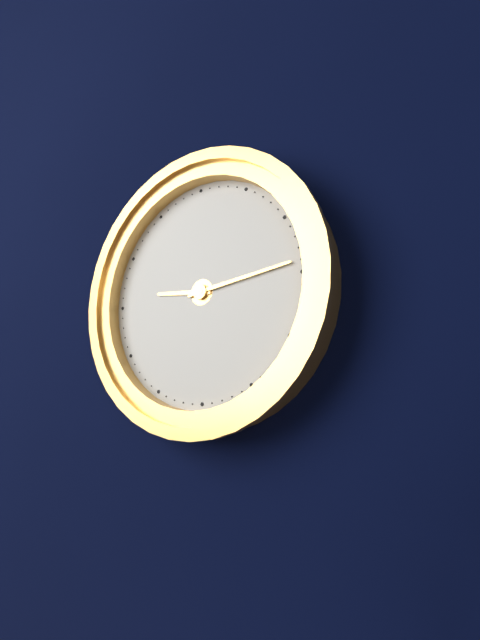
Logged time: 9 h 14 min
